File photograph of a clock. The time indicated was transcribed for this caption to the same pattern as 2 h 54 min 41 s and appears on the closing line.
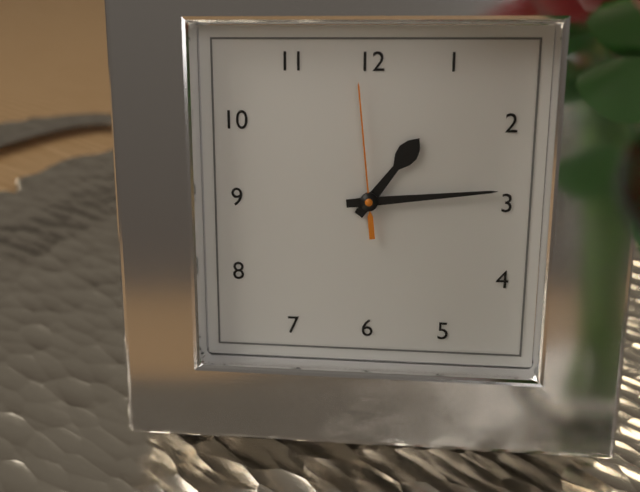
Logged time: 1 h 14 min 59 s
